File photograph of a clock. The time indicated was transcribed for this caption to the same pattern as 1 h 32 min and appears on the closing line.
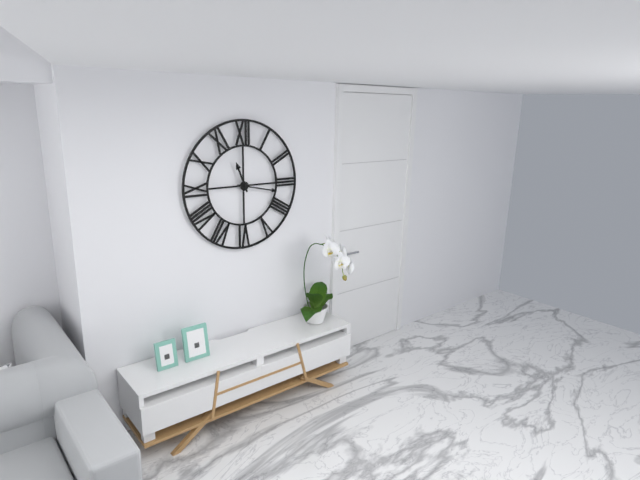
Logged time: 11 h 17 min
